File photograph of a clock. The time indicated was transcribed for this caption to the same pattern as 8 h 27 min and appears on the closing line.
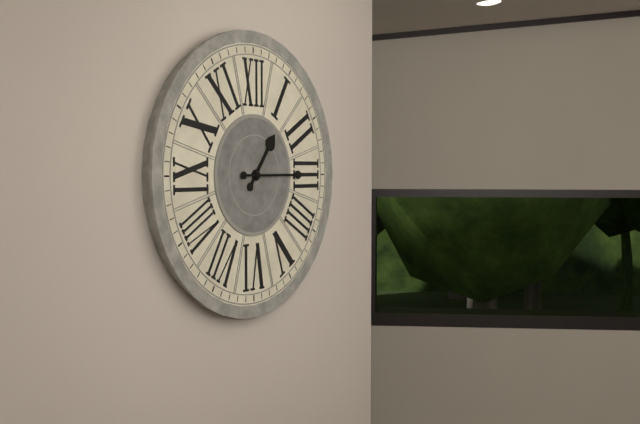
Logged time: 1 h 15 min
